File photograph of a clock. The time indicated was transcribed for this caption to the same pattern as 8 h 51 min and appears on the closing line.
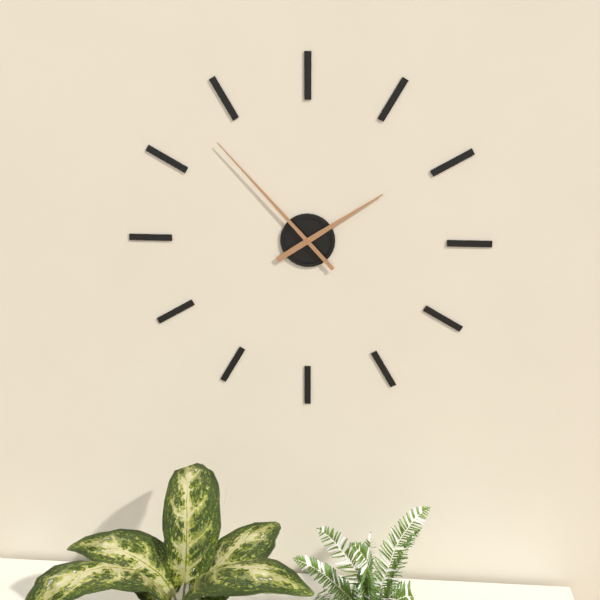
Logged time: 1 h 53 min
